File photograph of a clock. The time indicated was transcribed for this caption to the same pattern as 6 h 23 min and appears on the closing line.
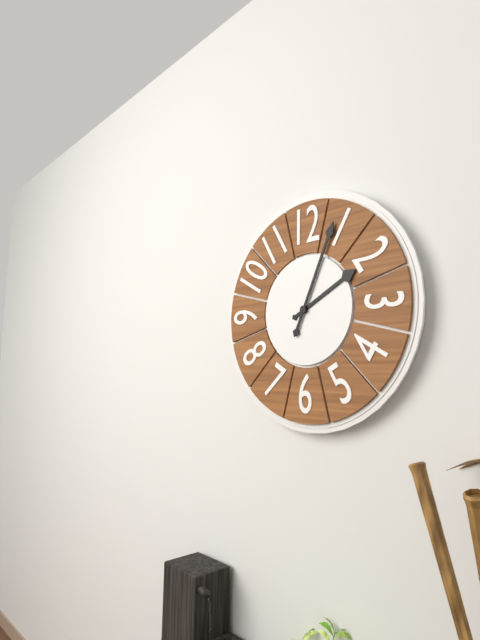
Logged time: 2 h 04 min
